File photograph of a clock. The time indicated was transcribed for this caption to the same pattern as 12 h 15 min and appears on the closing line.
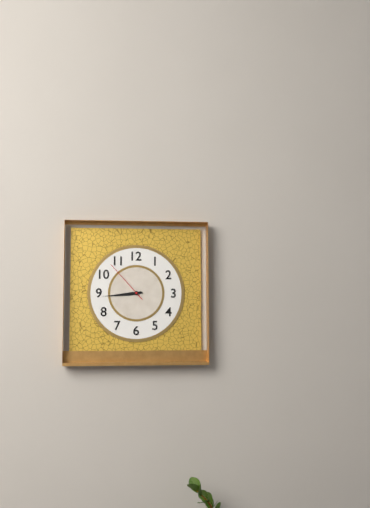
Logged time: 8 h 44 min
